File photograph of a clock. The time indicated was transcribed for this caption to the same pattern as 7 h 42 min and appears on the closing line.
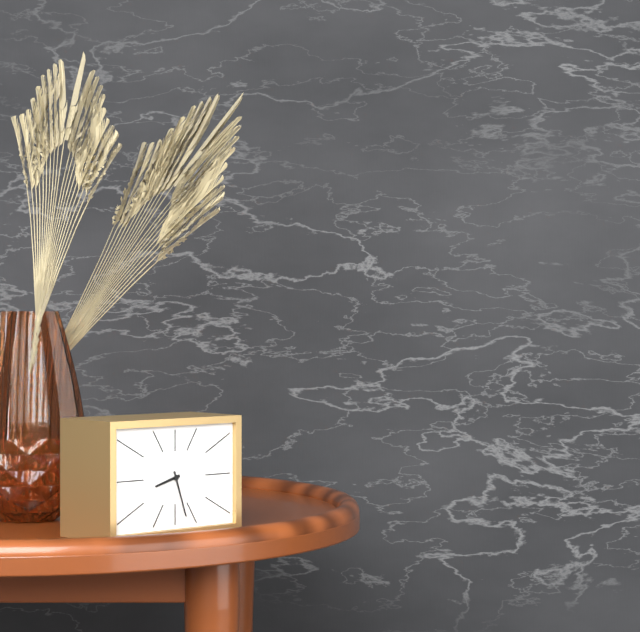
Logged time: 8 h 27 min
